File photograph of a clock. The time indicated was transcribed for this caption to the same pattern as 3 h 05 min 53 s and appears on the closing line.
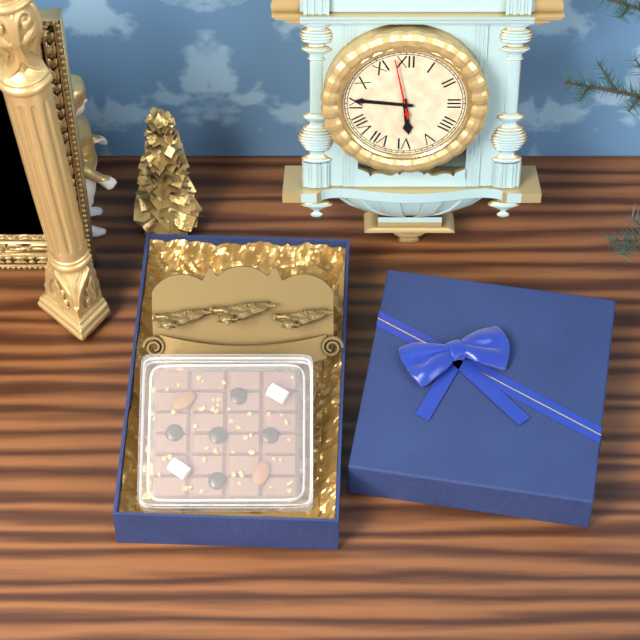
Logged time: 5 h 46 min 58 s
